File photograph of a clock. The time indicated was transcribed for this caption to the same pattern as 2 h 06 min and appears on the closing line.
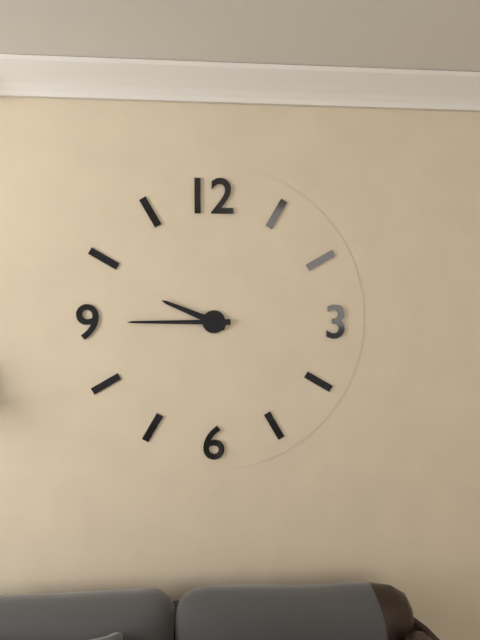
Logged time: 9 h 45 min
